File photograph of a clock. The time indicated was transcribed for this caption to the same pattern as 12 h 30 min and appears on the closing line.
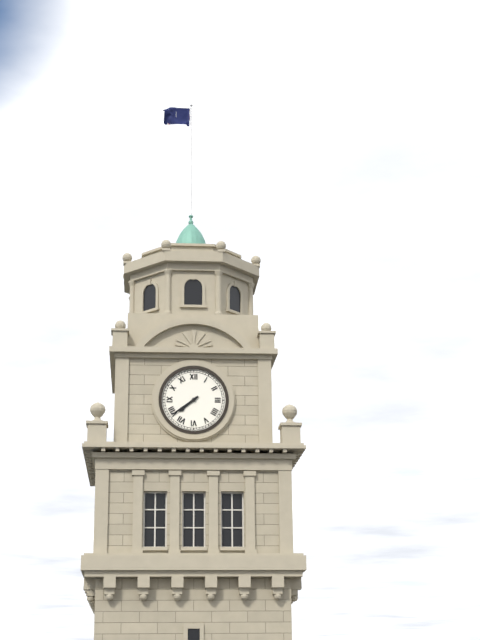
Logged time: 7 h 39 min
